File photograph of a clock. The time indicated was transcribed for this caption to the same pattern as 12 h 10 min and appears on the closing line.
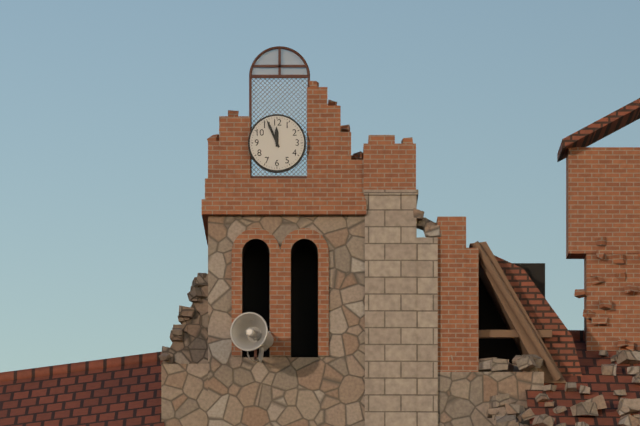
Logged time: 11 h 56 min
